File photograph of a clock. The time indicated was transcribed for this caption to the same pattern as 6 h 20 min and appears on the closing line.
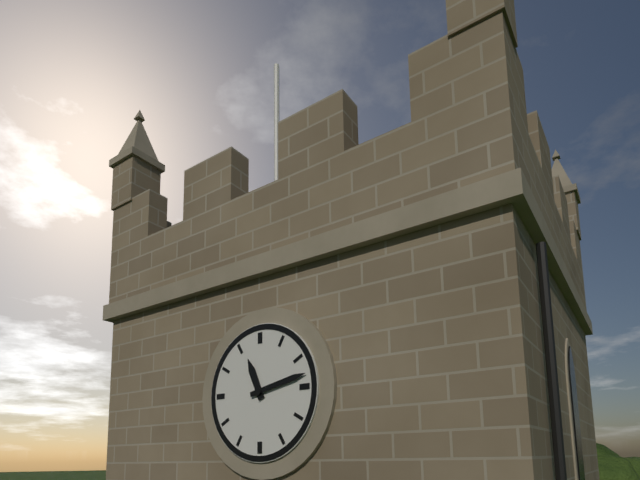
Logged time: 11 h 13 min
